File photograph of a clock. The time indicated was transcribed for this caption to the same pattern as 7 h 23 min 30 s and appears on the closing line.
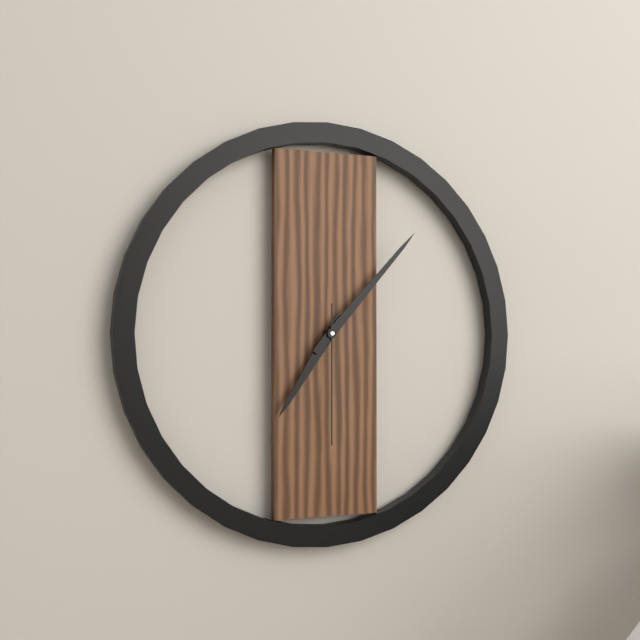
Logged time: 7 h 07 min 30 s
